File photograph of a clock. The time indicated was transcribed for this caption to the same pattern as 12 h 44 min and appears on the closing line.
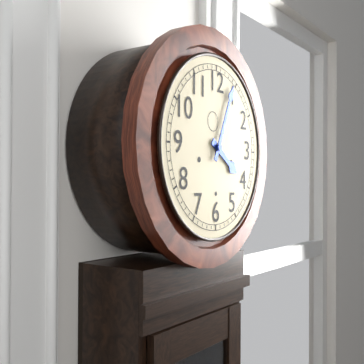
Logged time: 4 h 04 min
